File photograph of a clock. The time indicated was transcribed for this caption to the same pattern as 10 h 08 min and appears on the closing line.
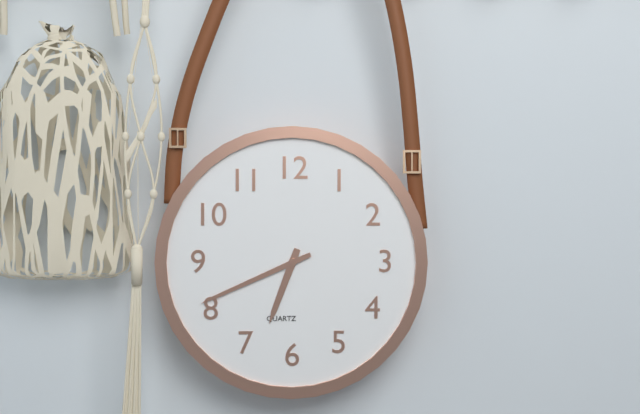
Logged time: 6 h 41 min
